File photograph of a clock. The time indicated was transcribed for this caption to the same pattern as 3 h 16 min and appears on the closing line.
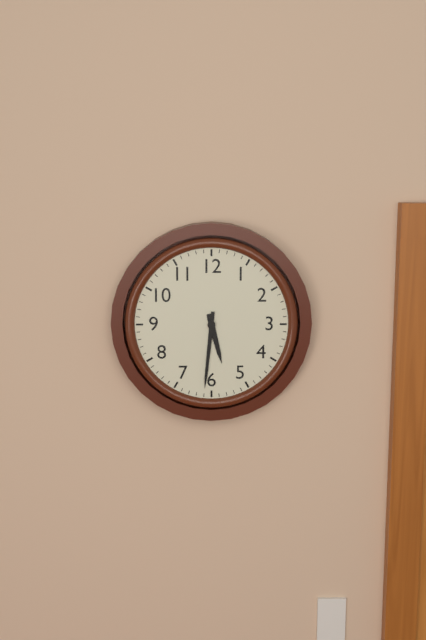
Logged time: 5 h 31 min
